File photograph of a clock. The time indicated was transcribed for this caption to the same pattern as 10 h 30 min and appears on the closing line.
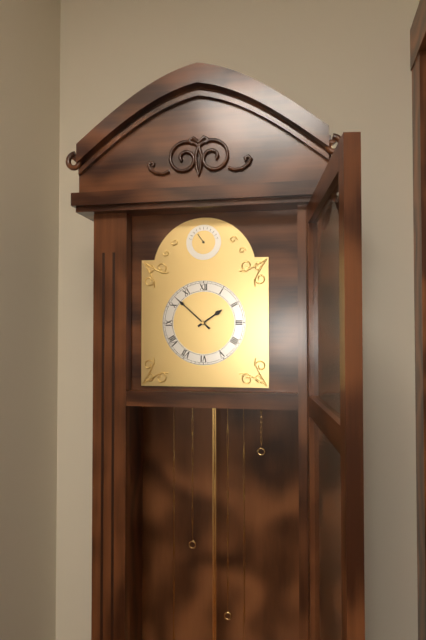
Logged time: 1 h 52 min
